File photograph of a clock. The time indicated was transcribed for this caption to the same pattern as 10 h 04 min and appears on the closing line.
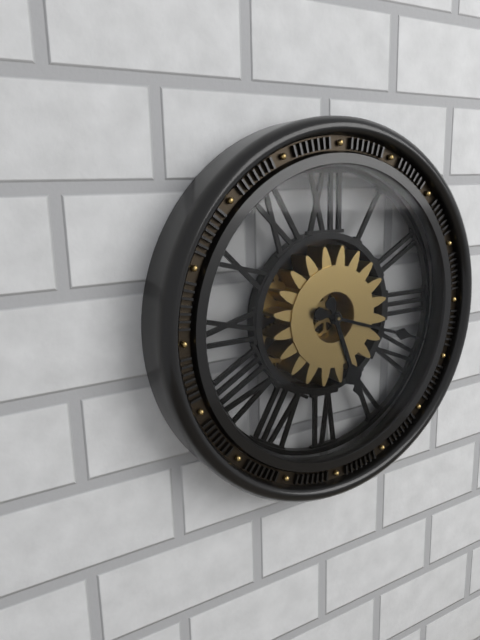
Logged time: 5 h 18 min
